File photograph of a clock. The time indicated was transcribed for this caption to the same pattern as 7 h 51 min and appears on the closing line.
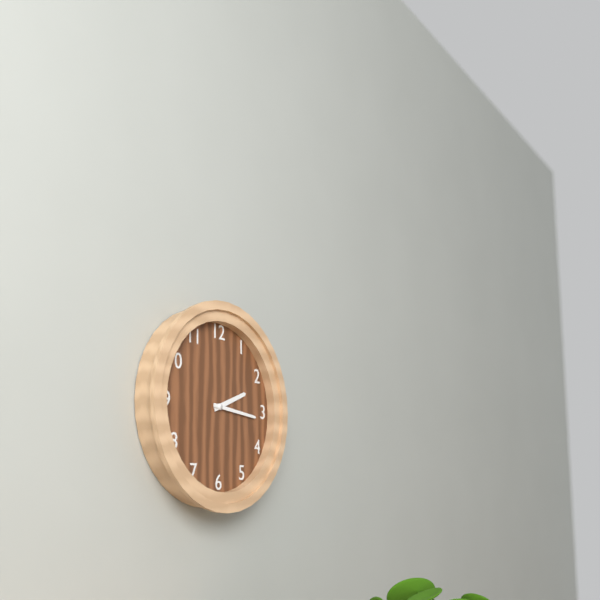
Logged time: 2 h 16 min
